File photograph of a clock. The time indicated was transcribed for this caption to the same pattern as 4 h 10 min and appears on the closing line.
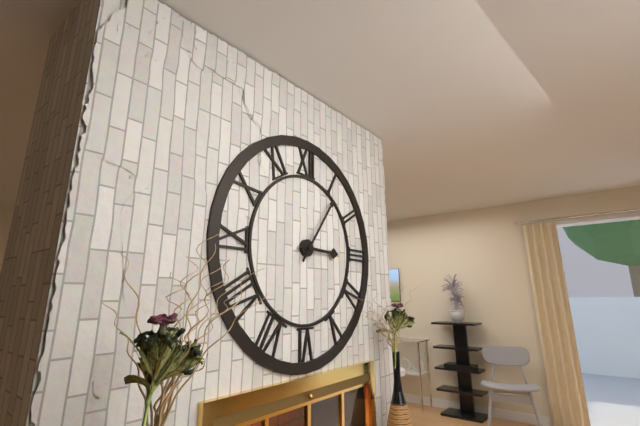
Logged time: 3 h 06 min
